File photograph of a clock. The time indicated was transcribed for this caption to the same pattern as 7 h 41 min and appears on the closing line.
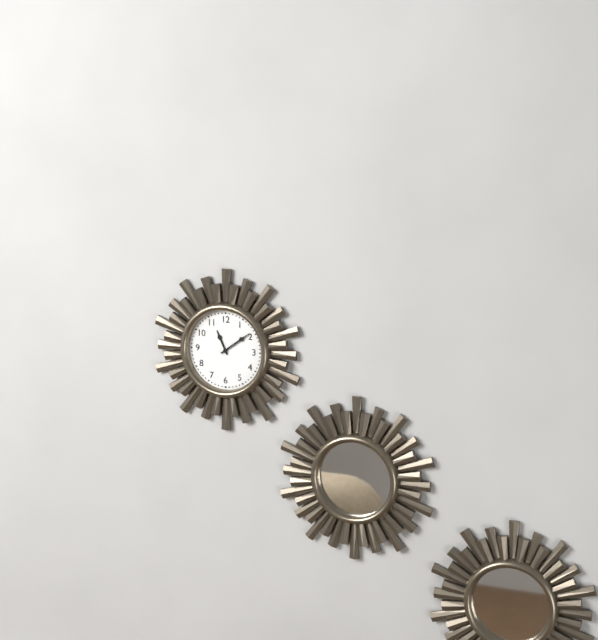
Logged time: 11 h 09 min
